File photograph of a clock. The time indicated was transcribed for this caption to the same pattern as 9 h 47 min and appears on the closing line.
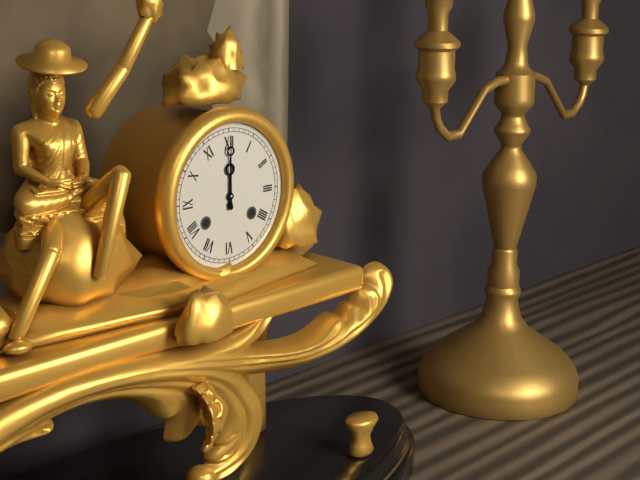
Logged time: 12 h 00 min
